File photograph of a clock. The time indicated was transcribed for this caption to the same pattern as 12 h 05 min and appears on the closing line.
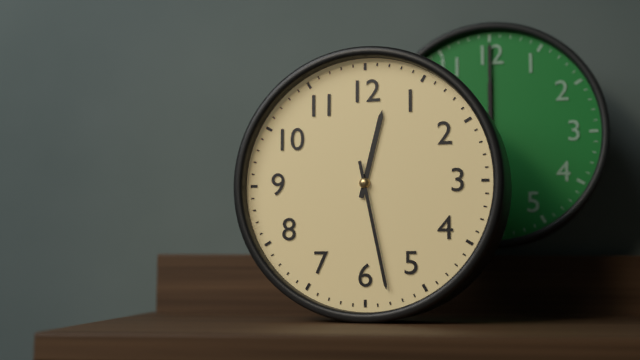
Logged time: 12 h 28 min
